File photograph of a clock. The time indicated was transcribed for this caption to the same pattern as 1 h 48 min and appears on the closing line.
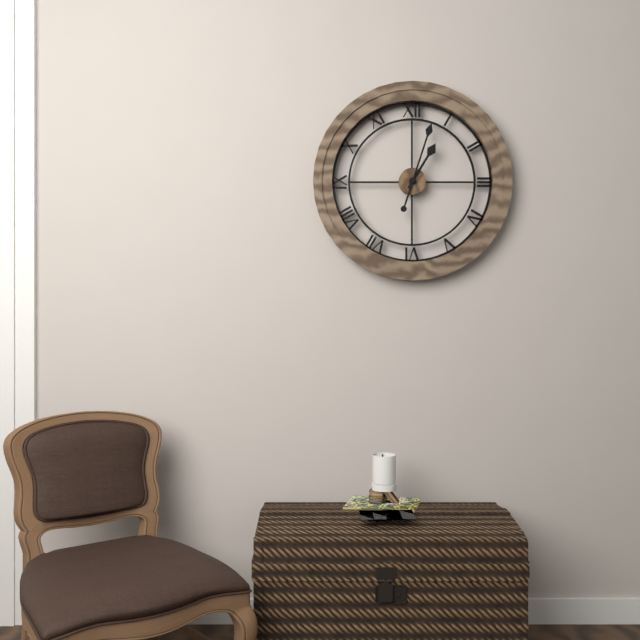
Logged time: 1 h 03 min
